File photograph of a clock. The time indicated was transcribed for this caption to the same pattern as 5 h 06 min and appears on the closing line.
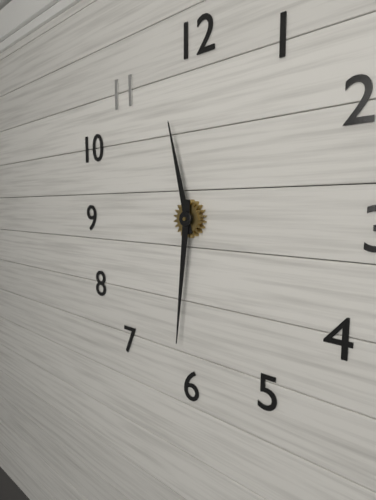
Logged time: 11 h 31 min
